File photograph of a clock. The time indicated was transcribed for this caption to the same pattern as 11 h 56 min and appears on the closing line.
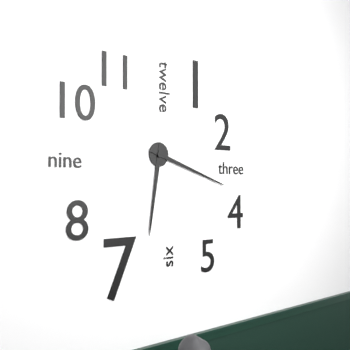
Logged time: 6 h 18 min
